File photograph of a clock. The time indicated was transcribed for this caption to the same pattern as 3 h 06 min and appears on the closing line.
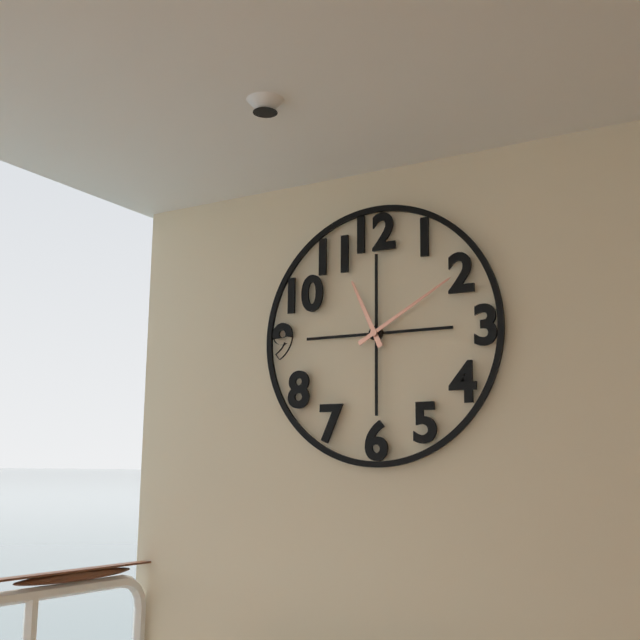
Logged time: 11 h 10 min
